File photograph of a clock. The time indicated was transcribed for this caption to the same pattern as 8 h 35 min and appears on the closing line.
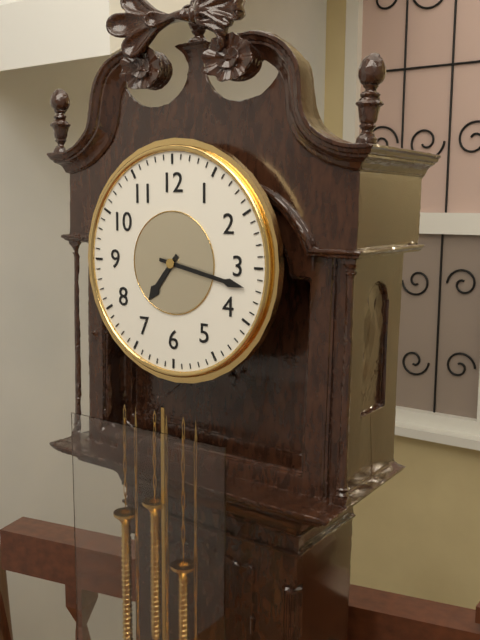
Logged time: 7 h 17 min
